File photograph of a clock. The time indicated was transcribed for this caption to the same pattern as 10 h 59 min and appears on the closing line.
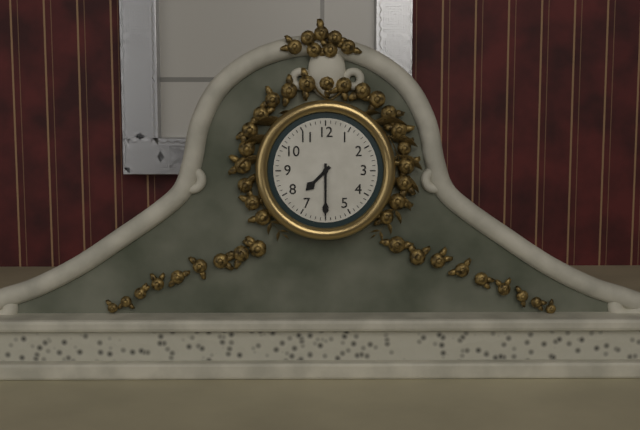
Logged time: 7 h 30 min
